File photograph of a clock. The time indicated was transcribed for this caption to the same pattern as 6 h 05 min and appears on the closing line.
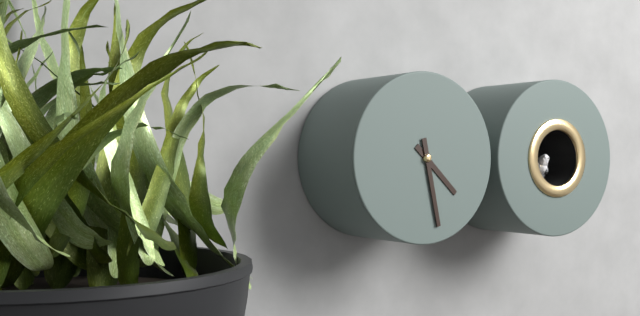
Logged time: 4 h 28 min
